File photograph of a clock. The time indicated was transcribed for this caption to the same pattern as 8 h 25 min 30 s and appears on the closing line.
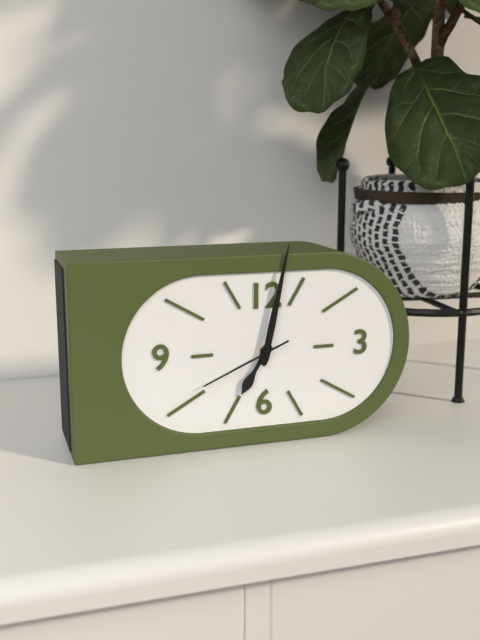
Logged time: 7 h 02 min 41 s
